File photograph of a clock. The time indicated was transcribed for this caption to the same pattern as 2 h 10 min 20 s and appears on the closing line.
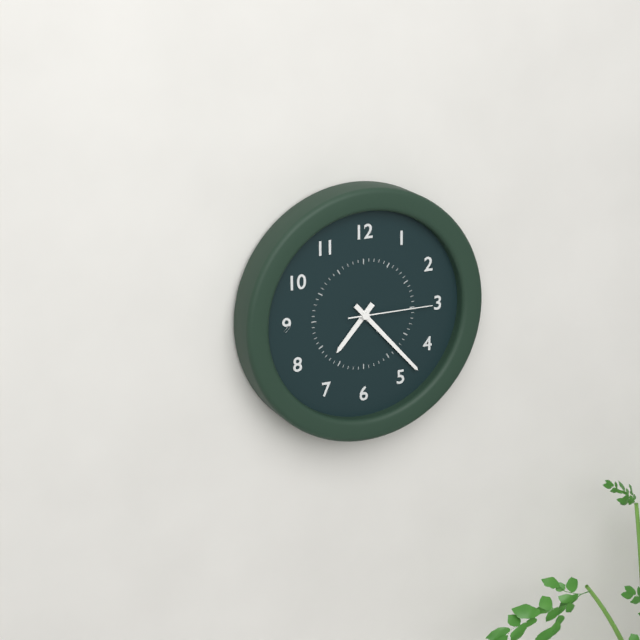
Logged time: 7 h 23 min 15 s
